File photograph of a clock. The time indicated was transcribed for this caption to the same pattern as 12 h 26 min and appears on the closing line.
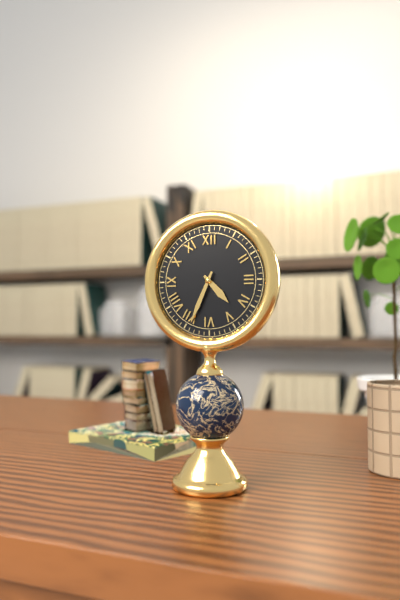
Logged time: 4 h 34 min
